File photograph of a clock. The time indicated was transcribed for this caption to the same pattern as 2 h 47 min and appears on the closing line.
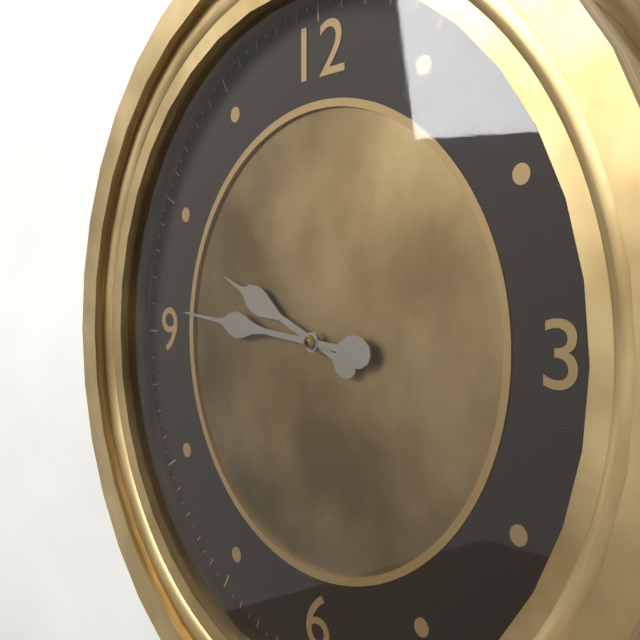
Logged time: 9 h 46 min
